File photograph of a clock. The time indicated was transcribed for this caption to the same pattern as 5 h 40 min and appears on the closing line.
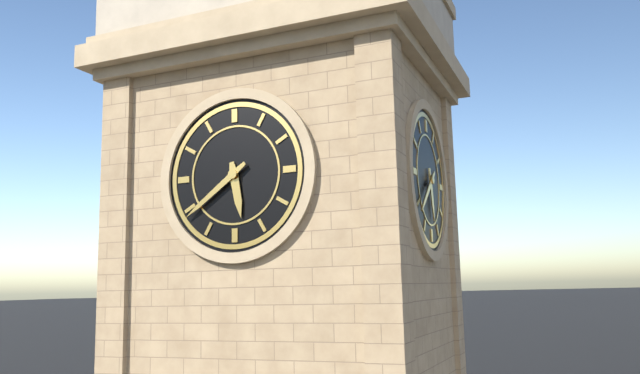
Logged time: 5 h 39 min
